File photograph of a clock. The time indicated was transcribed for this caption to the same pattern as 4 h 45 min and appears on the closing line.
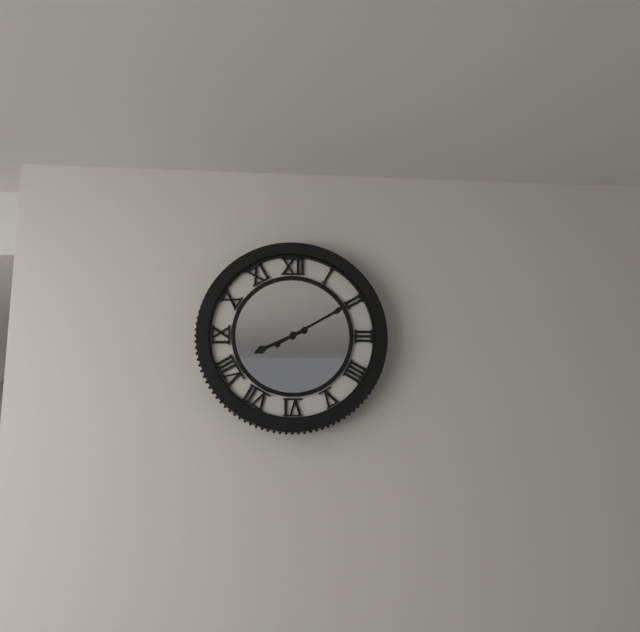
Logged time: 8 h 10 min
